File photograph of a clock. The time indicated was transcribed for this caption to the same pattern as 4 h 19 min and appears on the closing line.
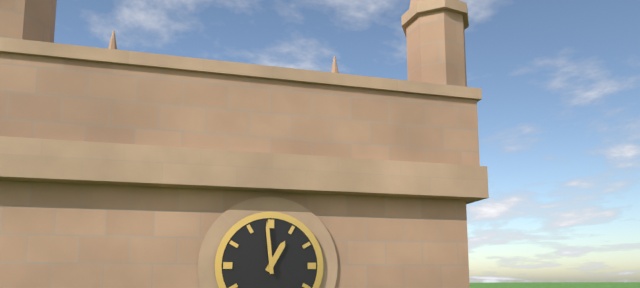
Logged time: 12 h 59 min
